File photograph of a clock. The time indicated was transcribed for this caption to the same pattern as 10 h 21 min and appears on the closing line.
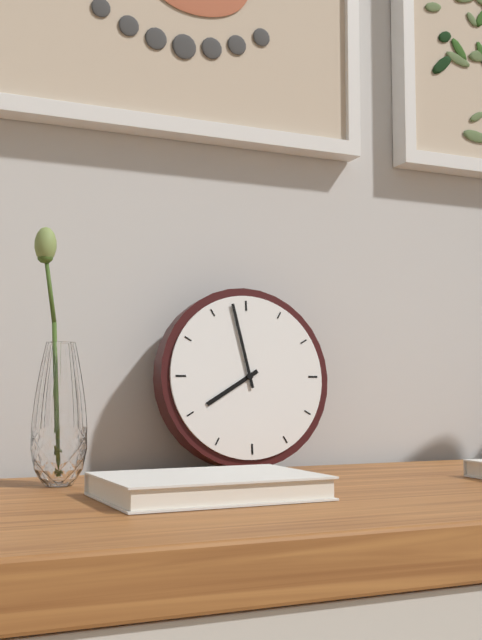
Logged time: 7 h 58 min
